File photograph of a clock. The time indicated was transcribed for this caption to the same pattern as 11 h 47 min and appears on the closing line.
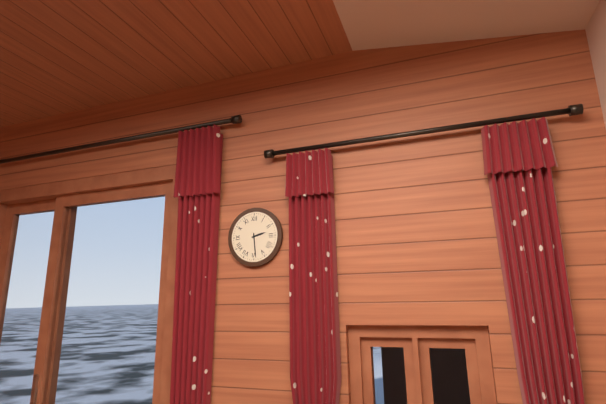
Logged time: 2 h 29 min
